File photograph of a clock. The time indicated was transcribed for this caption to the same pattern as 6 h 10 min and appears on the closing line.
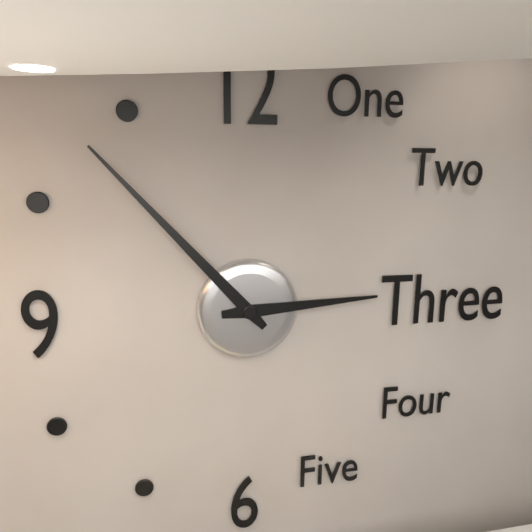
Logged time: 2 h 53 min
